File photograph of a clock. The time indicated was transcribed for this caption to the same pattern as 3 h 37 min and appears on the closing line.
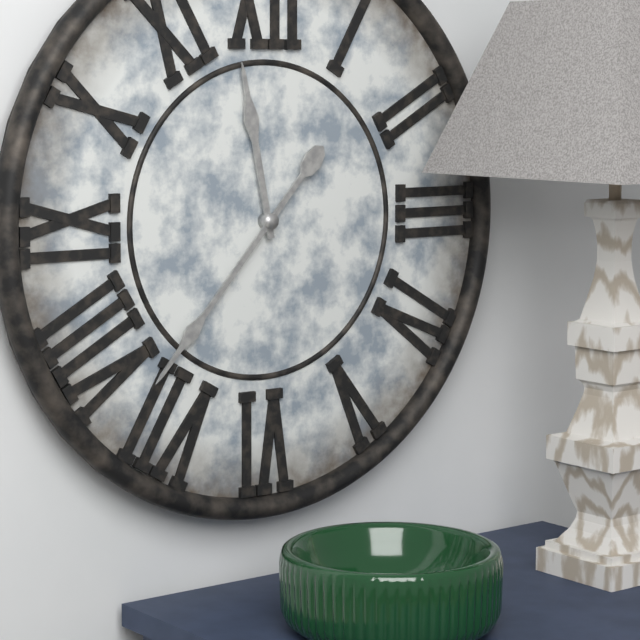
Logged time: 11 h 37 min
